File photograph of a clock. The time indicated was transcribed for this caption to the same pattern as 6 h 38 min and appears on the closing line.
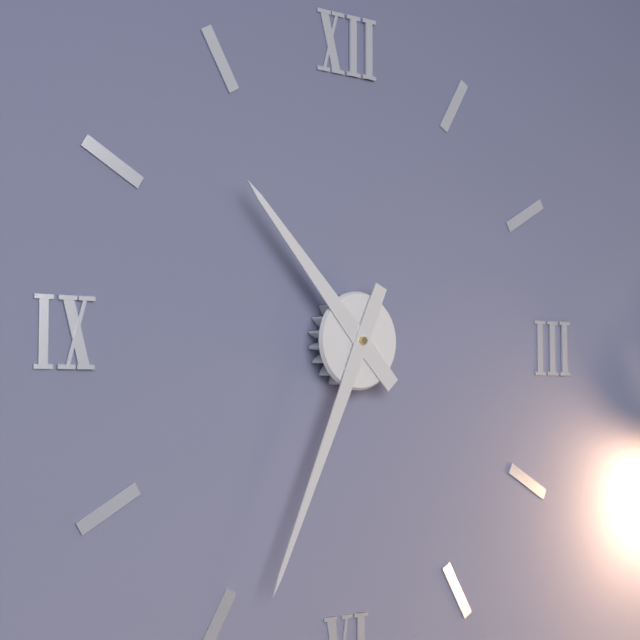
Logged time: 10 h 34 min
